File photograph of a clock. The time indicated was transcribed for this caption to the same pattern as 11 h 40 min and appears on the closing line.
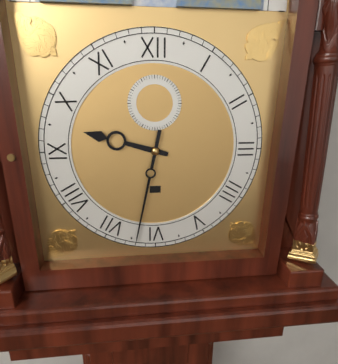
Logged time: 9 h 32 min
